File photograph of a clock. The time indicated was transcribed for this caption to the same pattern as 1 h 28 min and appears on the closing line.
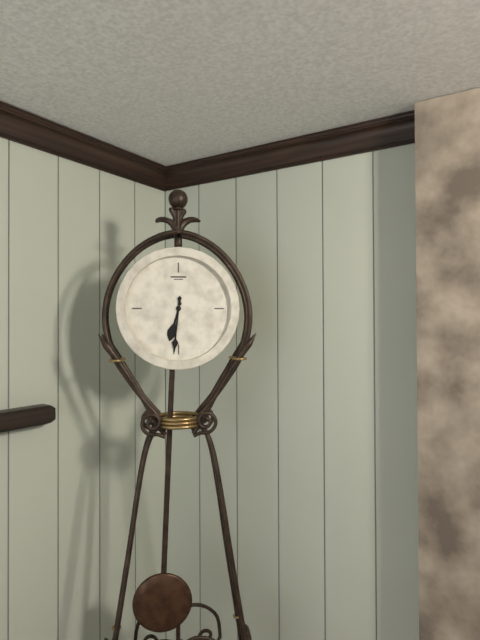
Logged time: 6 h 31 min
